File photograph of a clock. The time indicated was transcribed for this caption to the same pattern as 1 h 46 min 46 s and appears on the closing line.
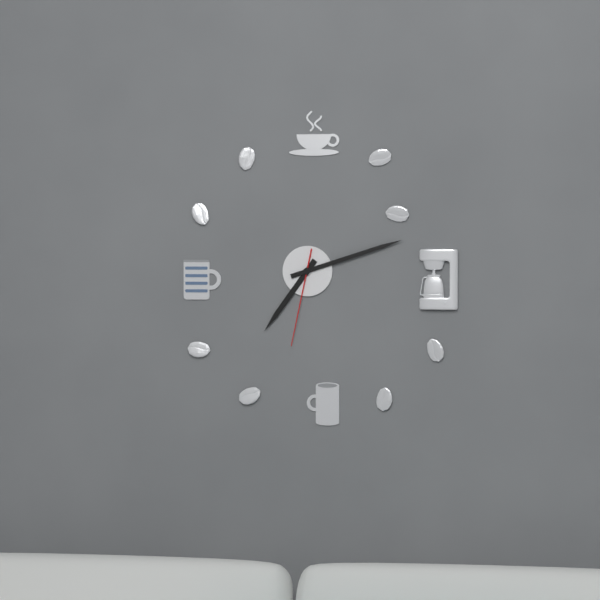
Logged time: 7 h 12 min 32 s
